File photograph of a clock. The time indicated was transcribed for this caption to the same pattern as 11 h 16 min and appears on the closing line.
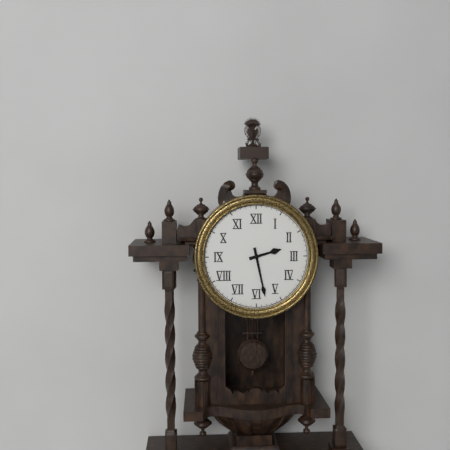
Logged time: 2 h 28 min
